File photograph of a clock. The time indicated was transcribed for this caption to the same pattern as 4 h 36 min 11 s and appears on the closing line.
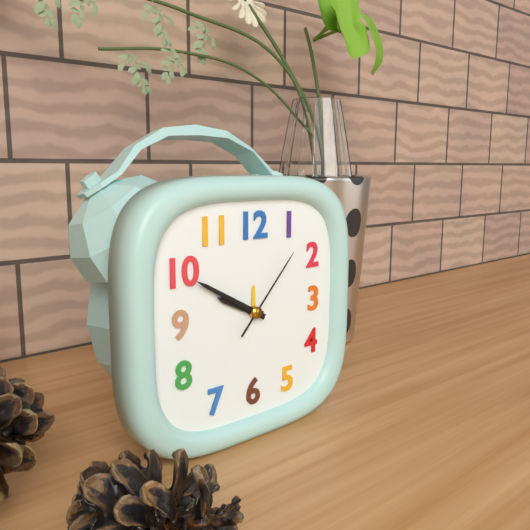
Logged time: 9 h 50 min 07 s
